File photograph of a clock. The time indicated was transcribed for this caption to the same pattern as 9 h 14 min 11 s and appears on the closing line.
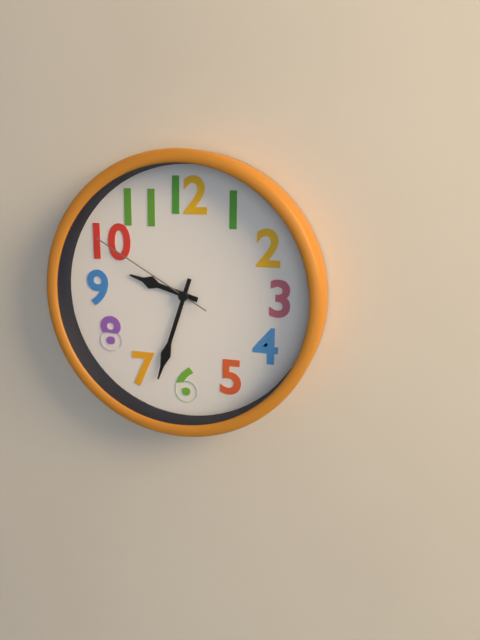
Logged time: 9 h 33 min 50 s
